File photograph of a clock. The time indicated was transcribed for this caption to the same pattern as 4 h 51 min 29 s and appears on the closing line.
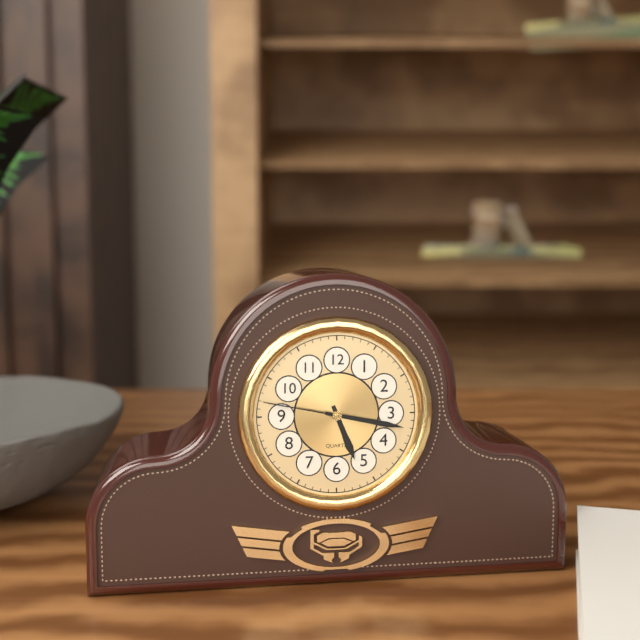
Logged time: 5 h 17 min 47 s
